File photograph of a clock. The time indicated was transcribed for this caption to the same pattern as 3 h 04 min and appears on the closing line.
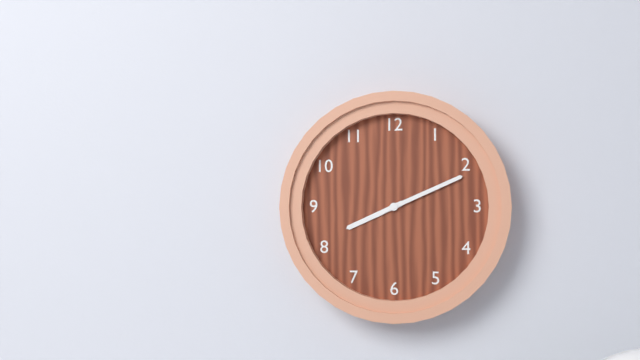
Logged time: 8 h 11 min
